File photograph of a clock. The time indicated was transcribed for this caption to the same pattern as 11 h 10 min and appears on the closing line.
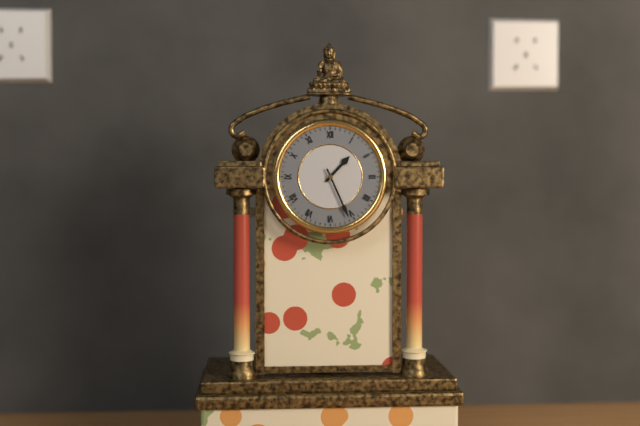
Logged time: 1 h 26 min
